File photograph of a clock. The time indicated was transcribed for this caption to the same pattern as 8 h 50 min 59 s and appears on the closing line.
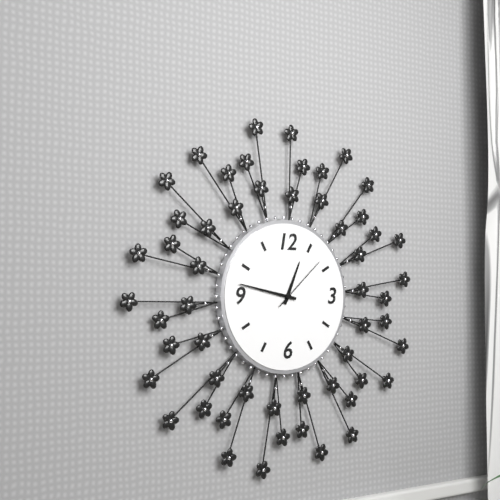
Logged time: 12 h 47 min 08 s
